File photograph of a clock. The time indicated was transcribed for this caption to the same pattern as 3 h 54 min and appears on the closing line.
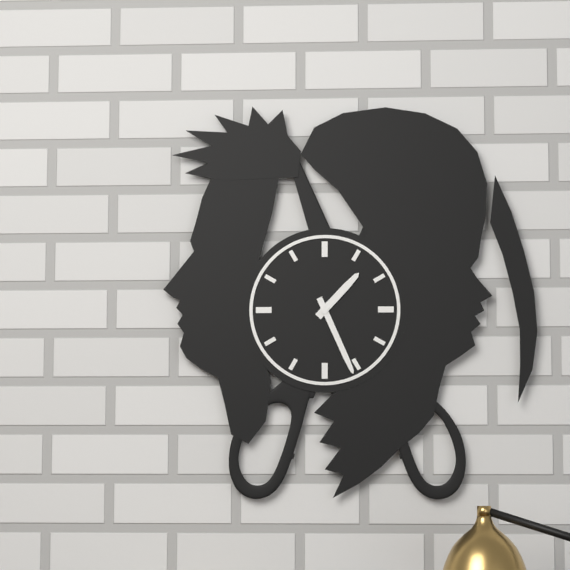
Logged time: 1 h 26 min
